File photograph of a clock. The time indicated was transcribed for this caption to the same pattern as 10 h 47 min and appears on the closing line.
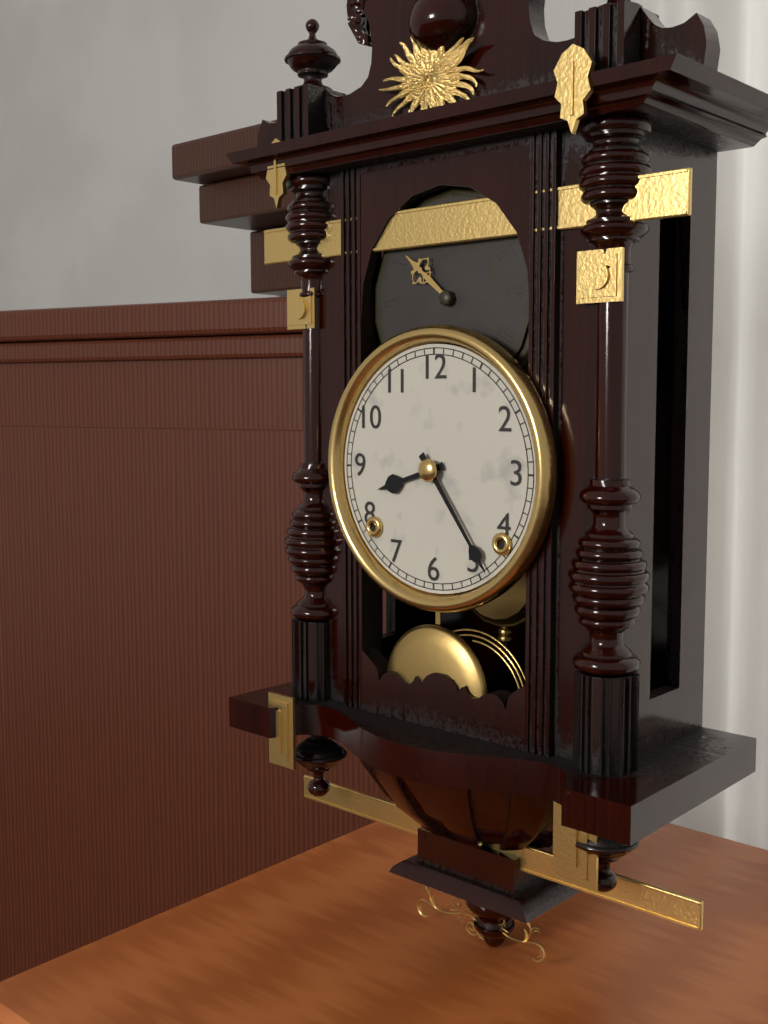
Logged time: 8 h 24 min
